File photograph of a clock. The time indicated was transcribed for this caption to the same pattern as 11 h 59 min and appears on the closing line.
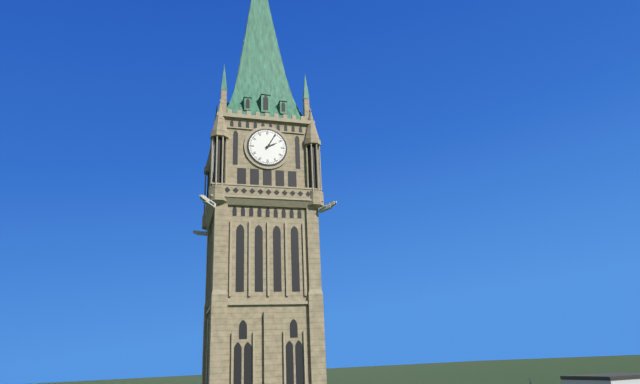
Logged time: 2 h 05 min
